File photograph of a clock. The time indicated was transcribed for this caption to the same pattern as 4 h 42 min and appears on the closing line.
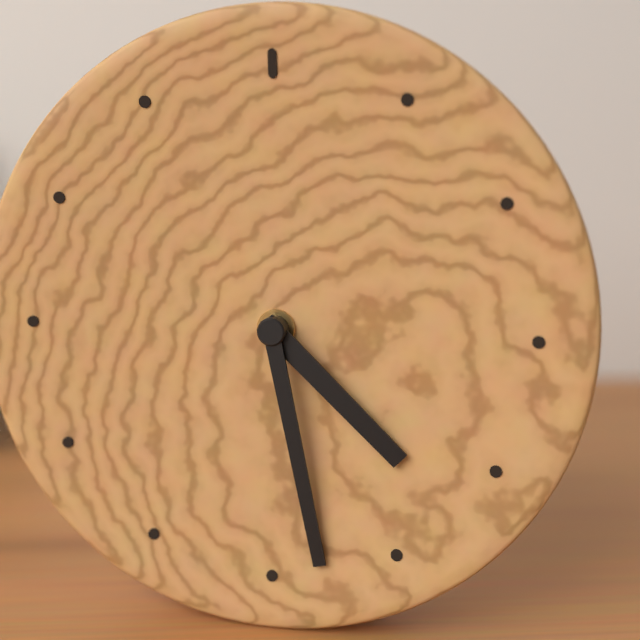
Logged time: 4 h 28 min
